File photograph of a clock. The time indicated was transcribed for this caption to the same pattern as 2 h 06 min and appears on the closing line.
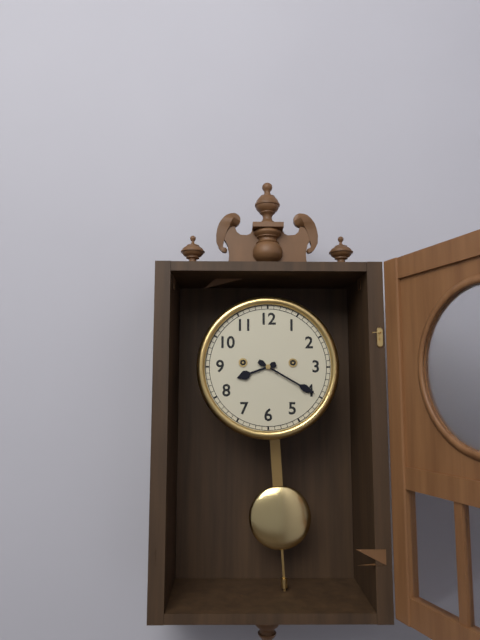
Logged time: 8 h 20 min
